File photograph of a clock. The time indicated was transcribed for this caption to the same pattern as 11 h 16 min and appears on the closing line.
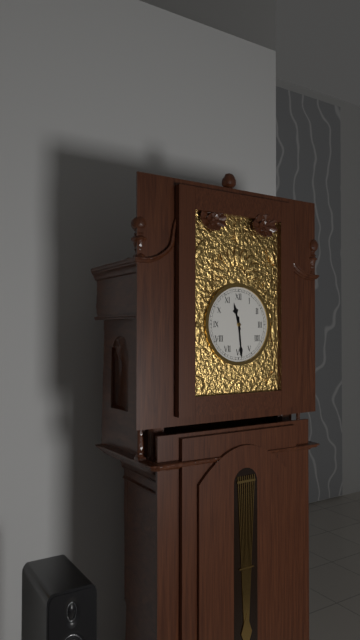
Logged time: 11 h 29 min
